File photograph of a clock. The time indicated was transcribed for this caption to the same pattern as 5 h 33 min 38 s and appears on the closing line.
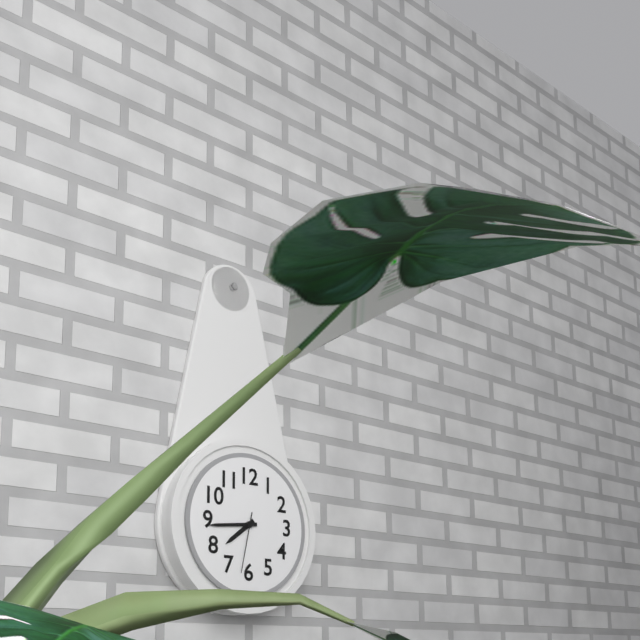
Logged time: 7 h 44 min 32 s
